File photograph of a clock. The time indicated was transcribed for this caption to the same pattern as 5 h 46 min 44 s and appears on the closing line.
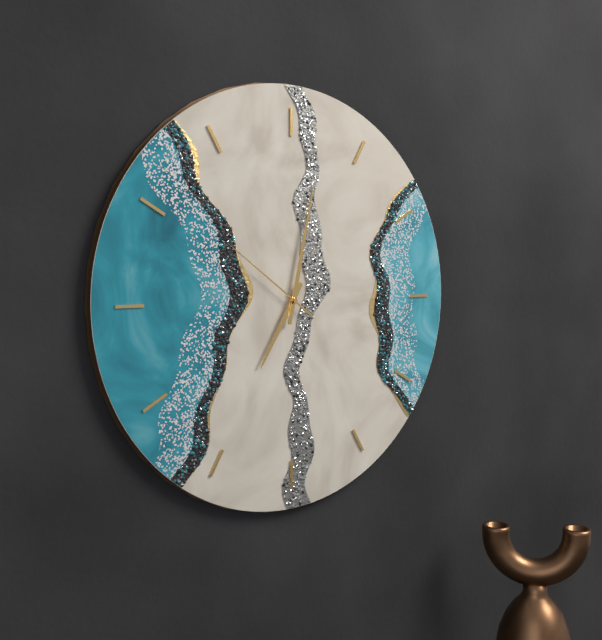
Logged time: 7 h 02 min 51 s
